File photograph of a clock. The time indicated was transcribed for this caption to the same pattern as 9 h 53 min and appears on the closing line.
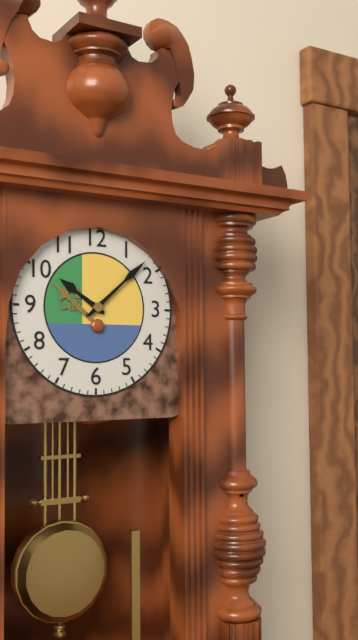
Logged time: 10 h 08 min
